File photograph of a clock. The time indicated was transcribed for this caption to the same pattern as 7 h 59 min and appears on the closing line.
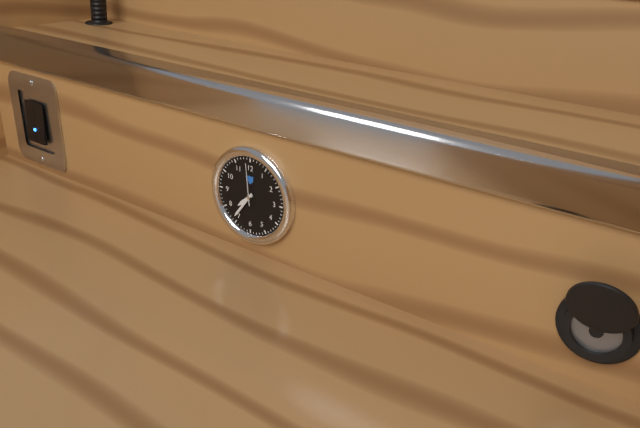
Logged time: 7 h 36 min
